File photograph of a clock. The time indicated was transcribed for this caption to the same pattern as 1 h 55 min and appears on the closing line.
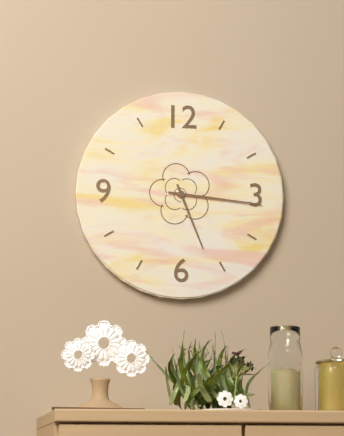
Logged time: 5 h 16 min
